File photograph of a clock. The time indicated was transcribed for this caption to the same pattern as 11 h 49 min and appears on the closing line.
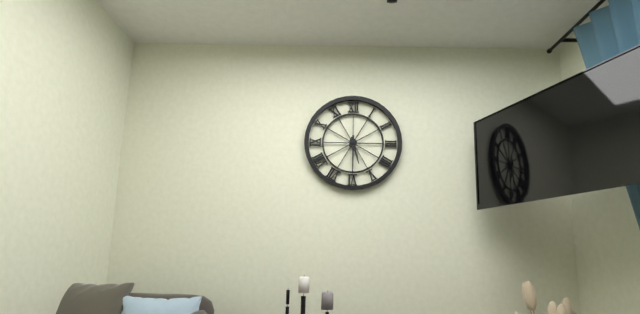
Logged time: 5 h 30 min
